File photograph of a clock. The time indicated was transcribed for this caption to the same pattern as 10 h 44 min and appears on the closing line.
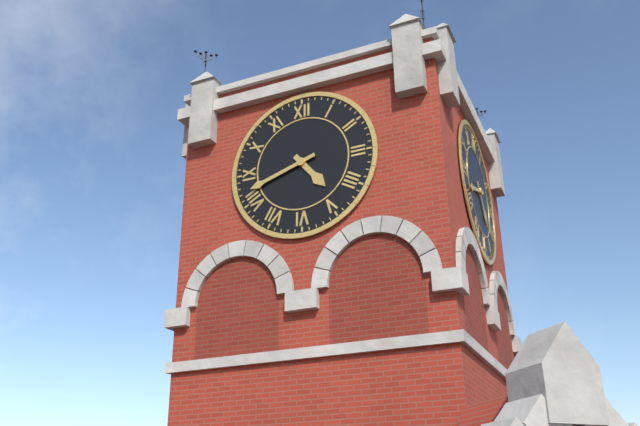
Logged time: 4 h 42 min
